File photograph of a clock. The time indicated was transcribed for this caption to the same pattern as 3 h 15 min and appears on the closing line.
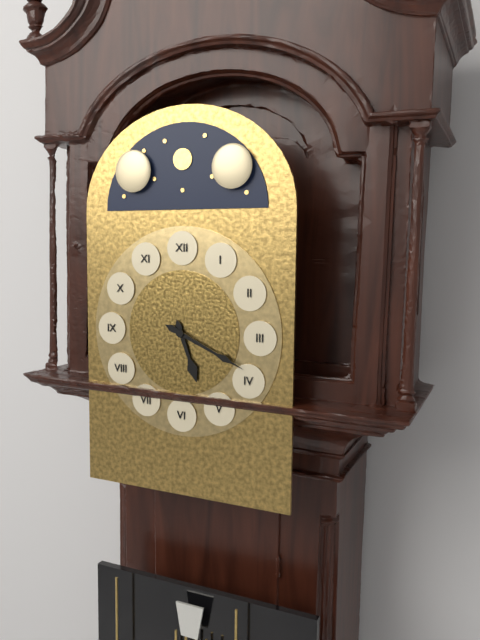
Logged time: 5 h 19 min
